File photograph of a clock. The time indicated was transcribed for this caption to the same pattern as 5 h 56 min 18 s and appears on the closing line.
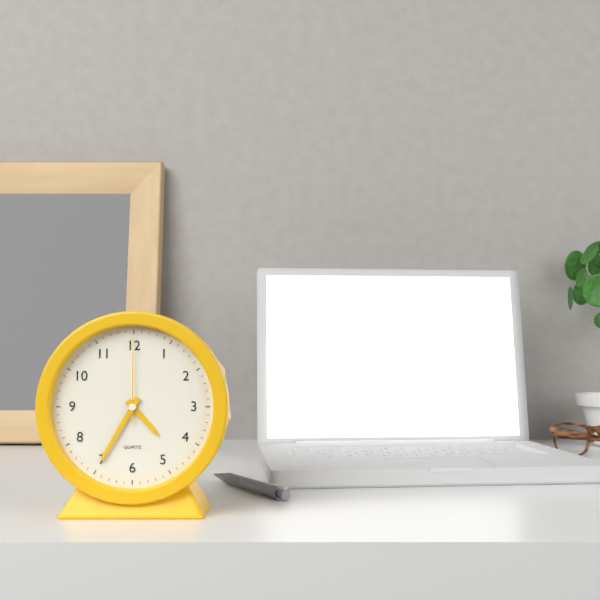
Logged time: 4 h 35 min 00 s
